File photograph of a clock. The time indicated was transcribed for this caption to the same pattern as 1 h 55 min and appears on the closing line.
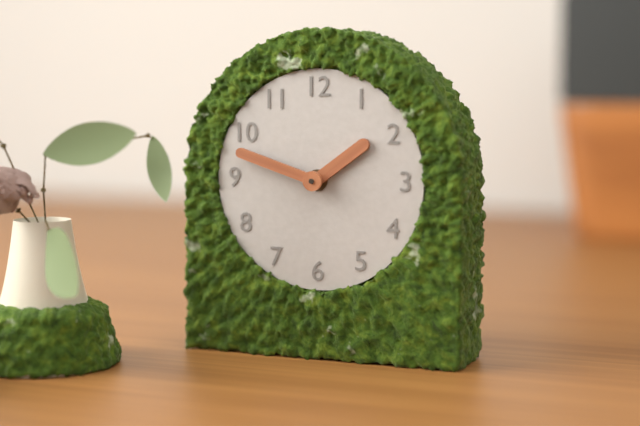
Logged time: 1 h 48 min
